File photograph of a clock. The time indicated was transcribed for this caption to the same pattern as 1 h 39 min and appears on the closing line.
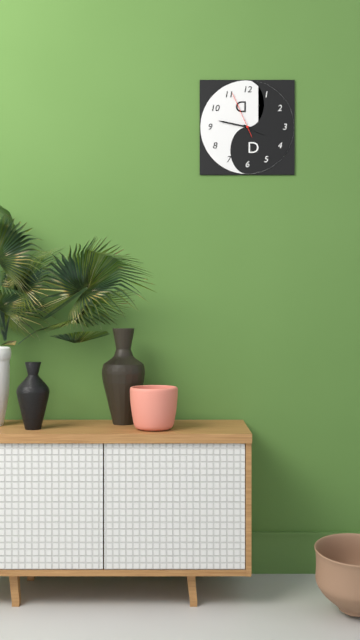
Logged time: 3 h 47 min
